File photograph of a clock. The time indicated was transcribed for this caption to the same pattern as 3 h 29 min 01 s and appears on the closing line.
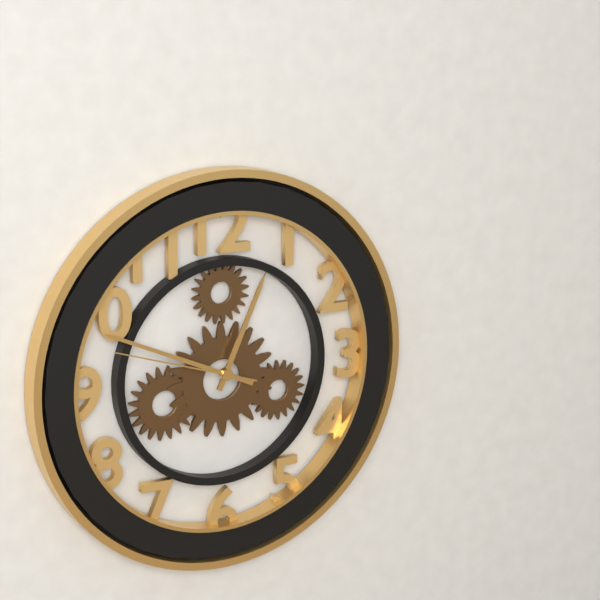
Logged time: 12 h 49 min 48 s
